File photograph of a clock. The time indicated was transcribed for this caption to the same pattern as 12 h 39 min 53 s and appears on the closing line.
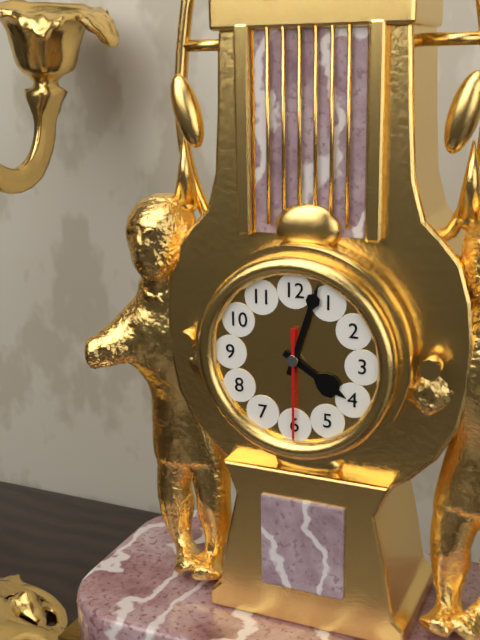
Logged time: 4 h 03 min 30 s
